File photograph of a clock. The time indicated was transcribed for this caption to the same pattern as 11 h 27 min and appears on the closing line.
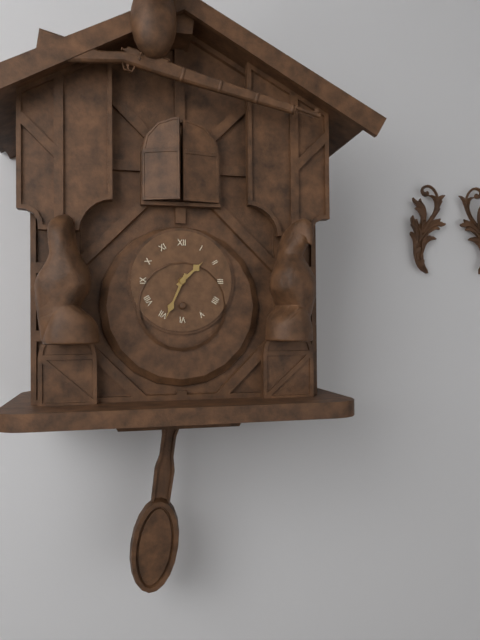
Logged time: 1 h 34 min
